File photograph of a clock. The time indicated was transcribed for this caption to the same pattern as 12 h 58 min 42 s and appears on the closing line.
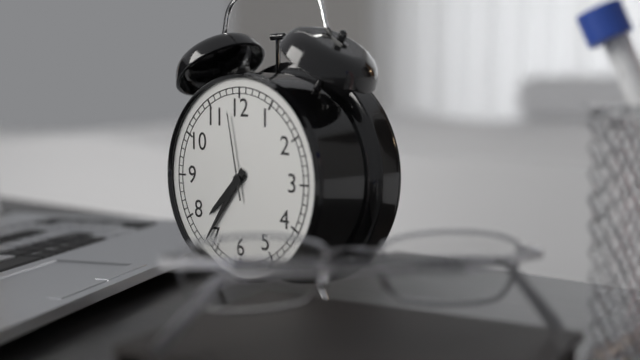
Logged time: 7 h 36 min 58 s
